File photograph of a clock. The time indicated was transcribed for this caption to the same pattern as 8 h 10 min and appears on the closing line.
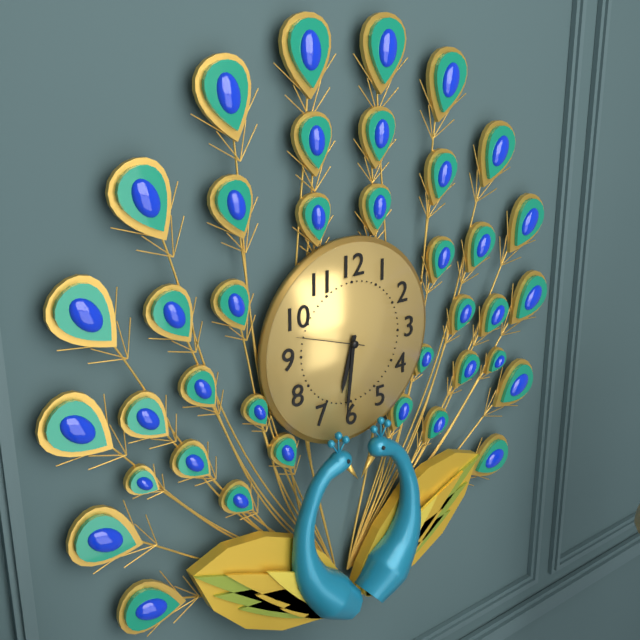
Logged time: 6 h 31 min
